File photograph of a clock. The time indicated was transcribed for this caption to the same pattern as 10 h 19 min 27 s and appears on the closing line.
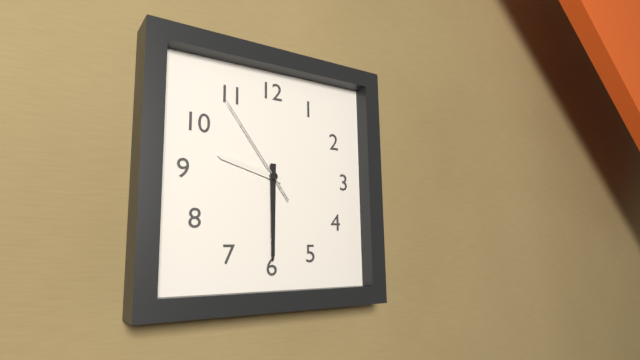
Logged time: 9 h 30 min 54 s
